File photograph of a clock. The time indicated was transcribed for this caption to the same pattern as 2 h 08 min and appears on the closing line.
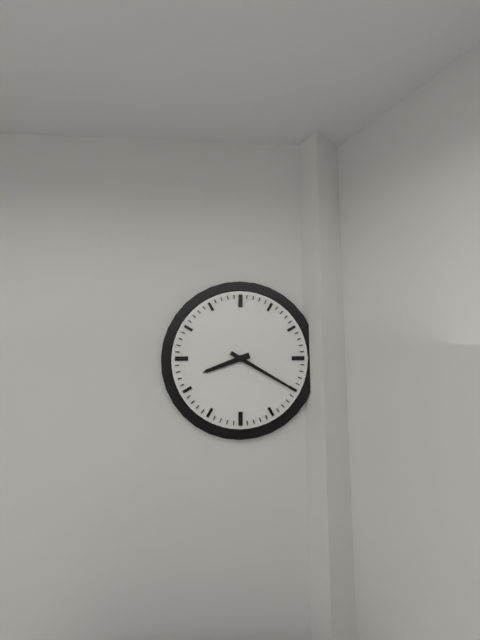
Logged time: 8 h 20 min
